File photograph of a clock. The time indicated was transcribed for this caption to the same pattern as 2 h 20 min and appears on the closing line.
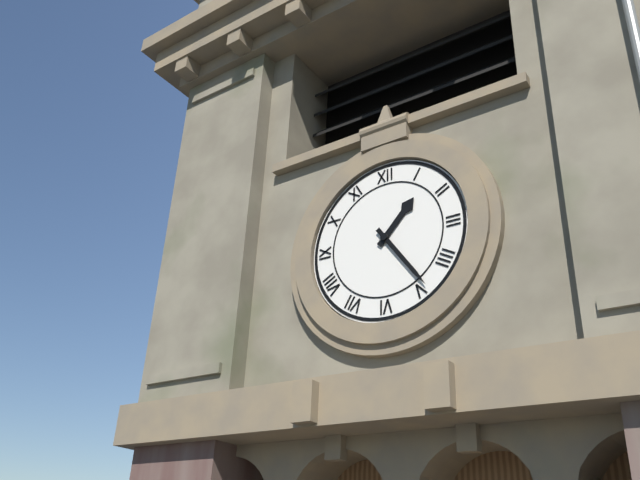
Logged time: 1 h 24 min
